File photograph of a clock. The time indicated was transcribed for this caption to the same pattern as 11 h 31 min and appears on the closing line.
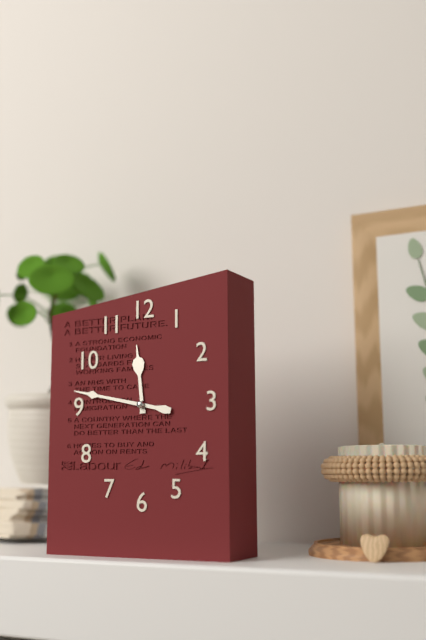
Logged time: 11 h 47 min
